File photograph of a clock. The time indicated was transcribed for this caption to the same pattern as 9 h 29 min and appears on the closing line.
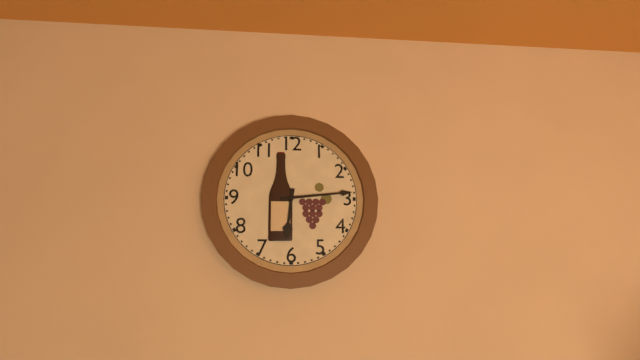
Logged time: 6 h 14 min
